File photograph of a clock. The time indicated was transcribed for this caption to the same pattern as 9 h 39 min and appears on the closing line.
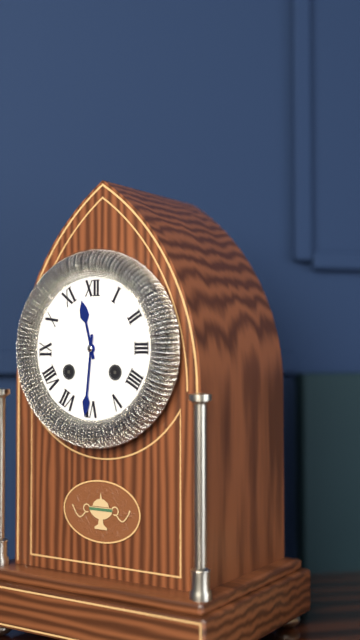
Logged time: 11 h 31 min
